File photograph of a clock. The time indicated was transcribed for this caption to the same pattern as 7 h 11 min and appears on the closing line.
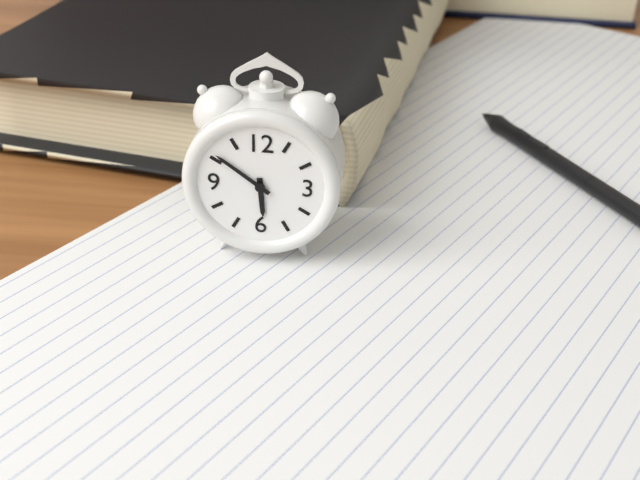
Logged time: 5 h 51 min
